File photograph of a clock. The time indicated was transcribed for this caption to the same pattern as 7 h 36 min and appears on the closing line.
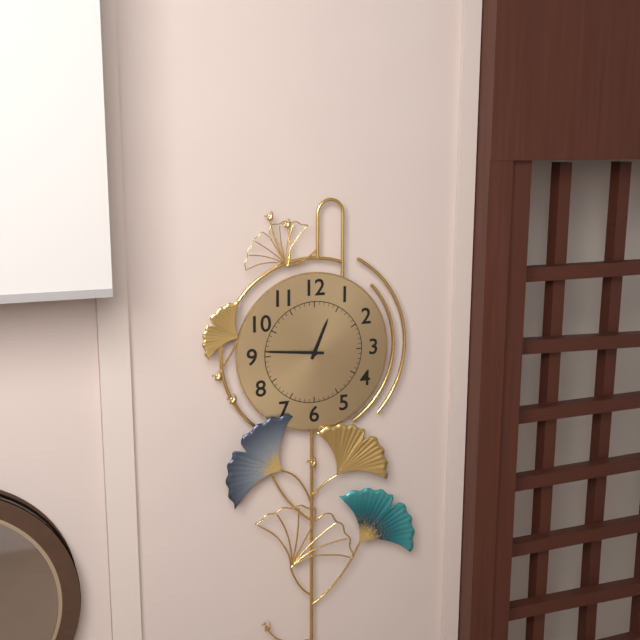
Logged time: 12 h 46 min
